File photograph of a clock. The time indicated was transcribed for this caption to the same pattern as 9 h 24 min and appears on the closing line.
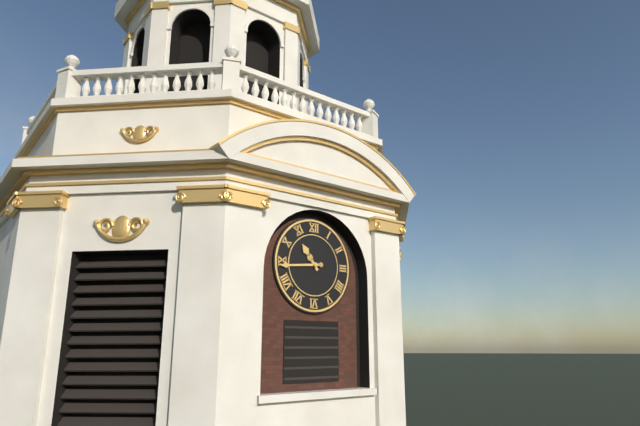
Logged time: 10 h 44 min
